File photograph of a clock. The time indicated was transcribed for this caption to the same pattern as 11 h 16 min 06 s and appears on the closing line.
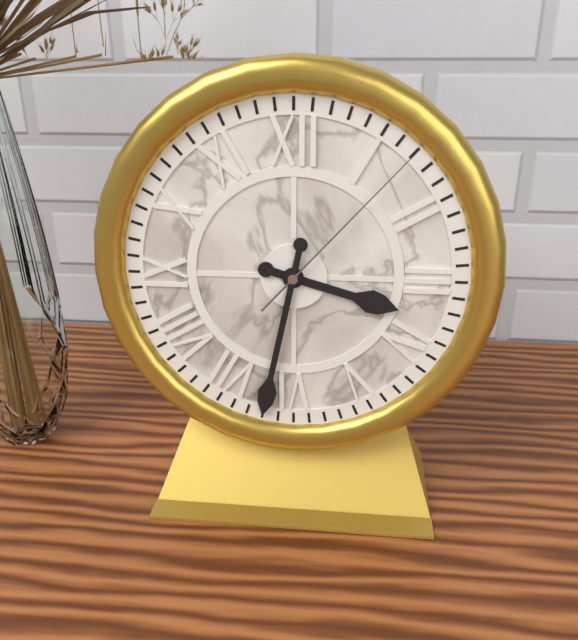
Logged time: 3 h 32 min 07 s
